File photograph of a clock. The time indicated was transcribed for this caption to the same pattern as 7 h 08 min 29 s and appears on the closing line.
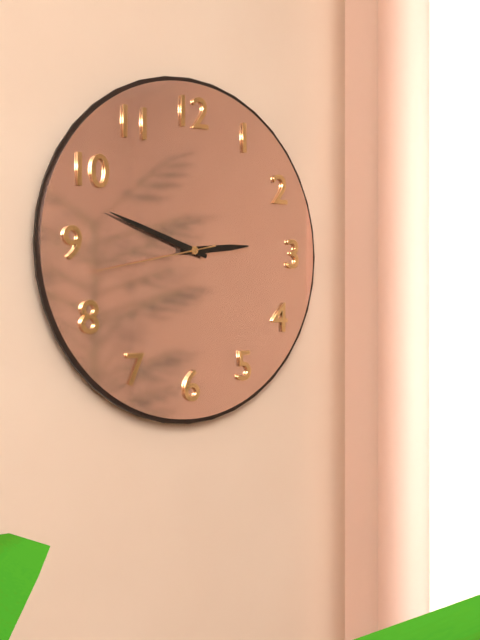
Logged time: 2 h 48 min 43 s
